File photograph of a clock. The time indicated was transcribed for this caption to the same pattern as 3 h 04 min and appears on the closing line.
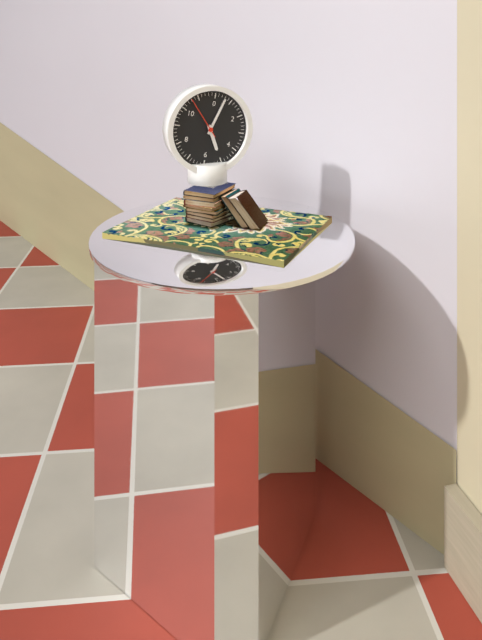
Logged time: 5 h 03 min
